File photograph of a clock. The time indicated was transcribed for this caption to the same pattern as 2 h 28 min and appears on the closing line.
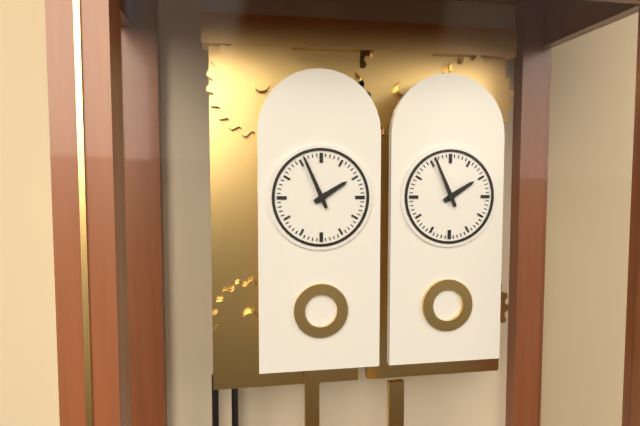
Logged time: 1 h 56 min
